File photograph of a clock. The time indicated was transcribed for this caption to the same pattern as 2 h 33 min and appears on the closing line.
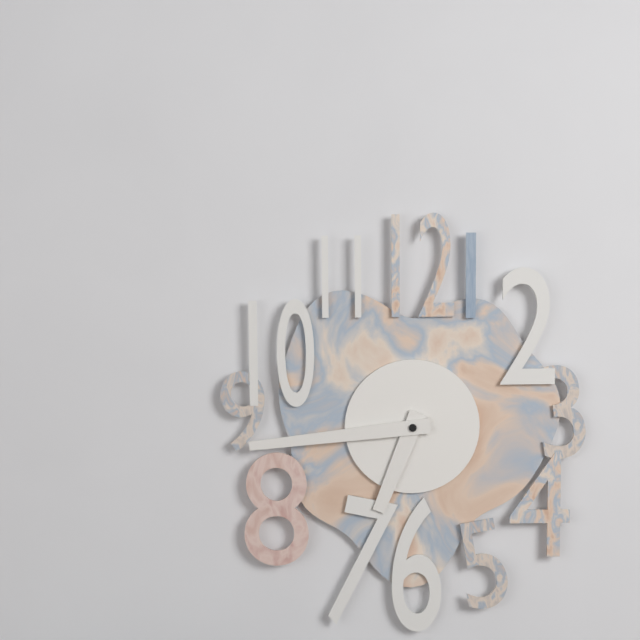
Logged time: 6 h 44 min
